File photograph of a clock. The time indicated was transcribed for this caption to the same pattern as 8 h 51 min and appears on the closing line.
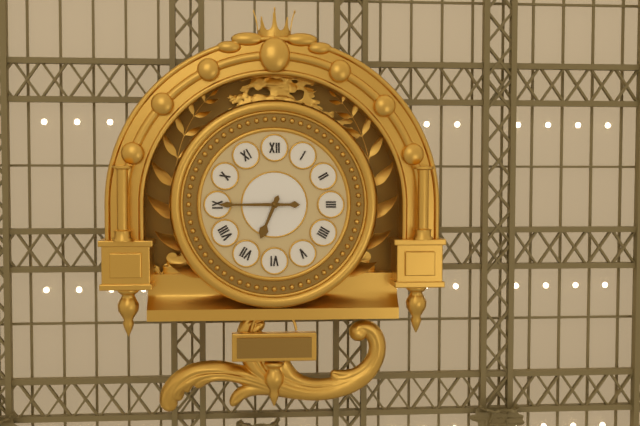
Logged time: 6 h 45 min
